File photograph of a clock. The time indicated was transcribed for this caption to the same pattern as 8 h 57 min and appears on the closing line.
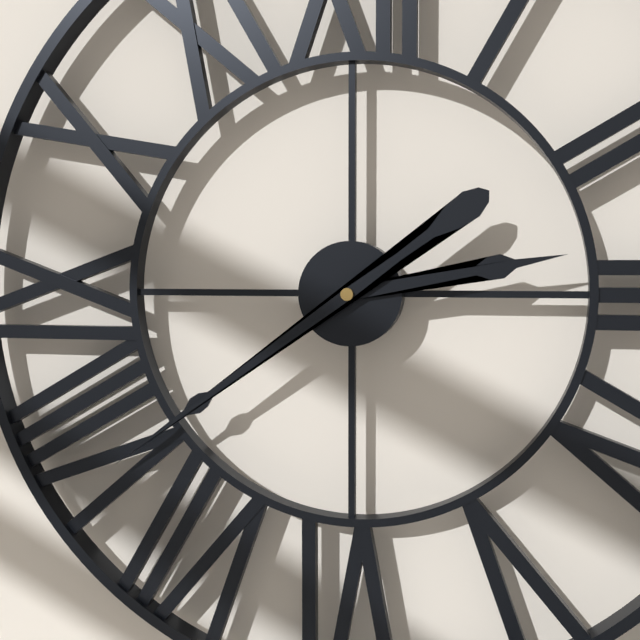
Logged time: 2 h 39 min
